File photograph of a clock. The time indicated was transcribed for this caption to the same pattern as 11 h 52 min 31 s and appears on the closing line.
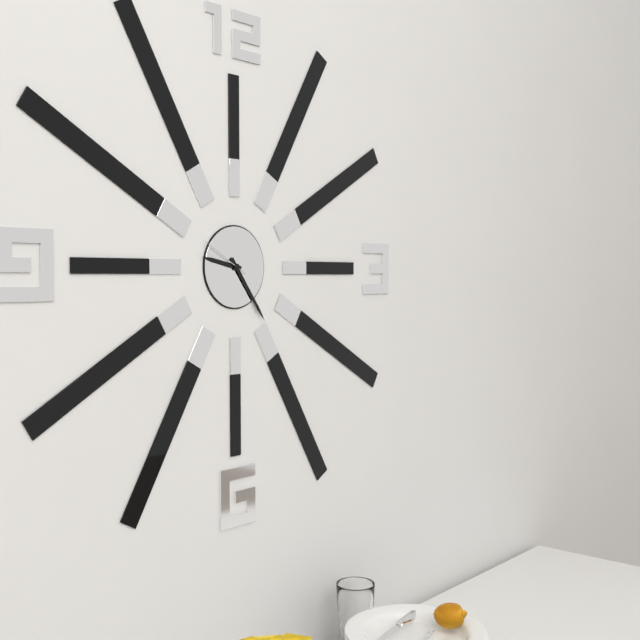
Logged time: 9 h 24 min 50 s
